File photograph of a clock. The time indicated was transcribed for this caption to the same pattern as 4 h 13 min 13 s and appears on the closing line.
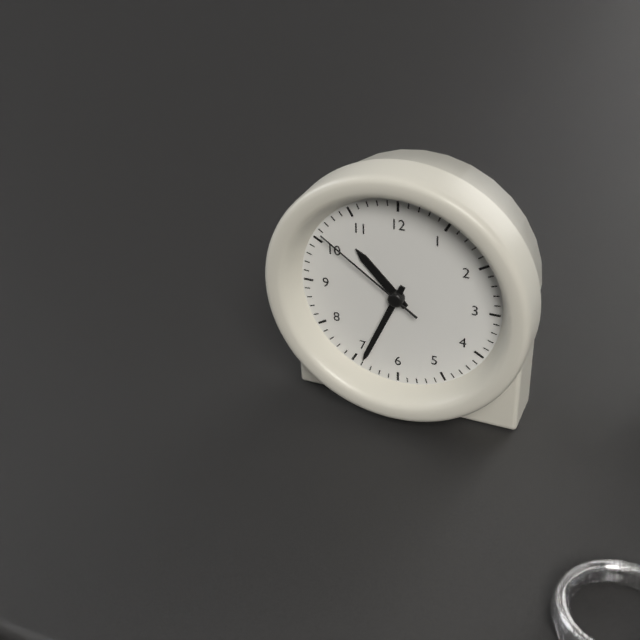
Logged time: 10 h 34 min 51 s
